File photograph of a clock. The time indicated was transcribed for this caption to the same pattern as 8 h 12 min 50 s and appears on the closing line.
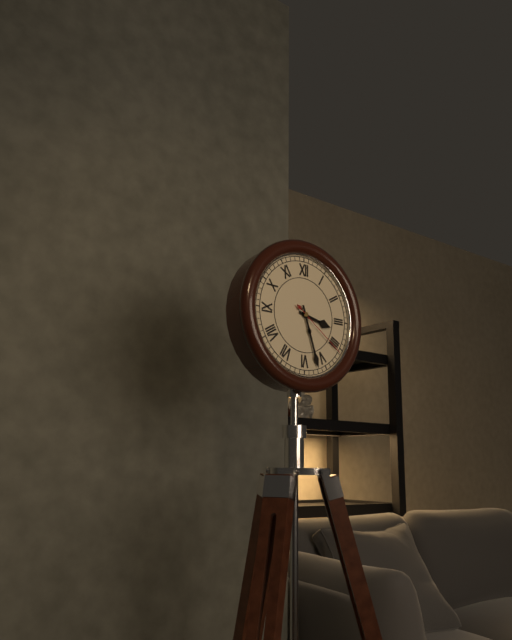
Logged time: 3 h 27 min 21 s
